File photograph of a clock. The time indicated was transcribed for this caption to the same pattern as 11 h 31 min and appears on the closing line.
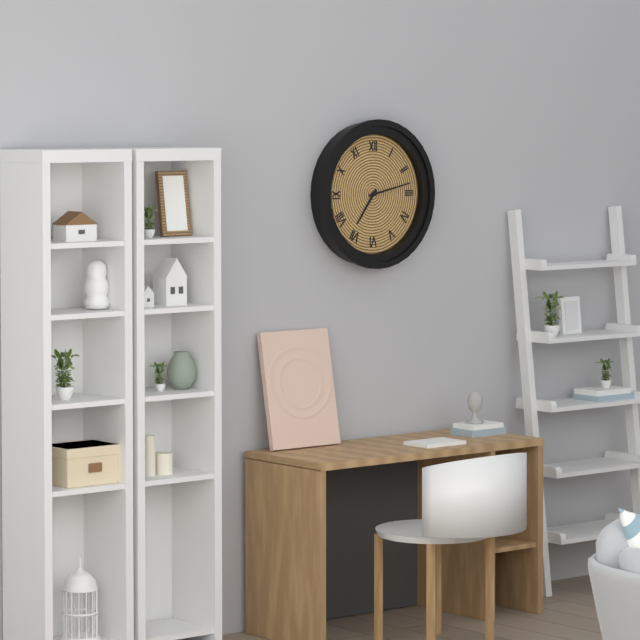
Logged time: 7 h 13 min
